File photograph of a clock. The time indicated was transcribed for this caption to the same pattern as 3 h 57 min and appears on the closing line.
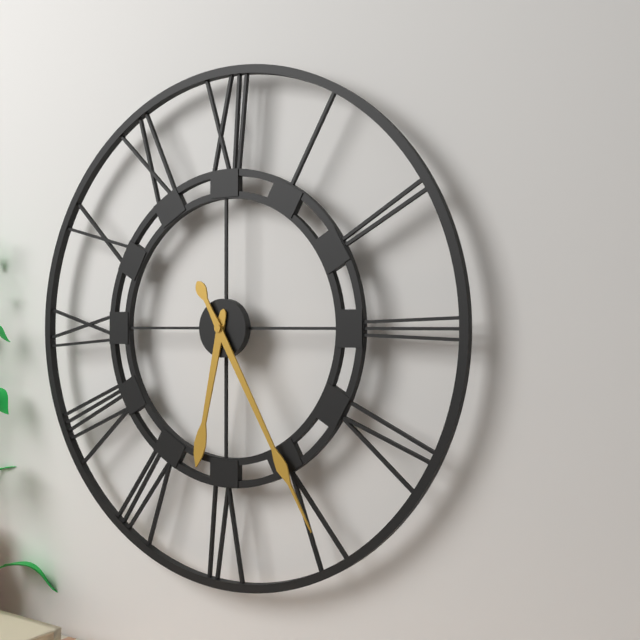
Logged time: 6 h 25 min
